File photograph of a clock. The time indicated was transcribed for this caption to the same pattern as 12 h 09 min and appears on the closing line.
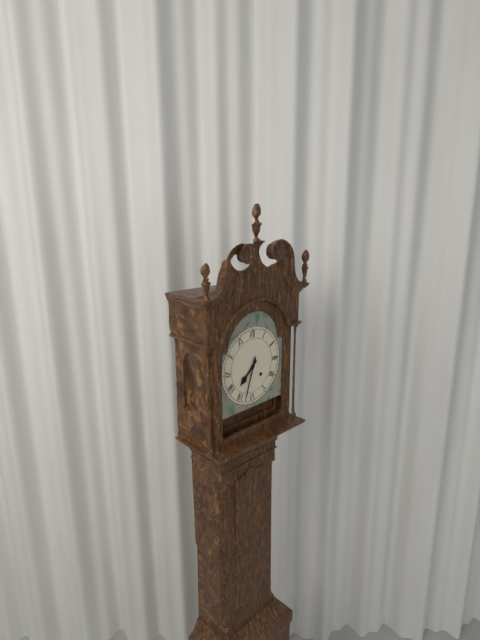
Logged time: 7 h 33 min
